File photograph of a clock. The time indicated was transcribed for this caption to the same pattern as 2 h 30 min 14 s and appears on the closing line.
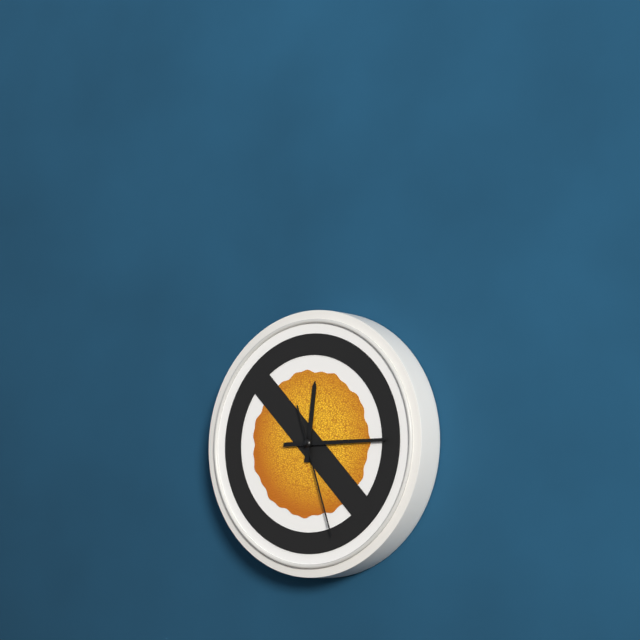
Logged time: 12 h 15 min 27 s
